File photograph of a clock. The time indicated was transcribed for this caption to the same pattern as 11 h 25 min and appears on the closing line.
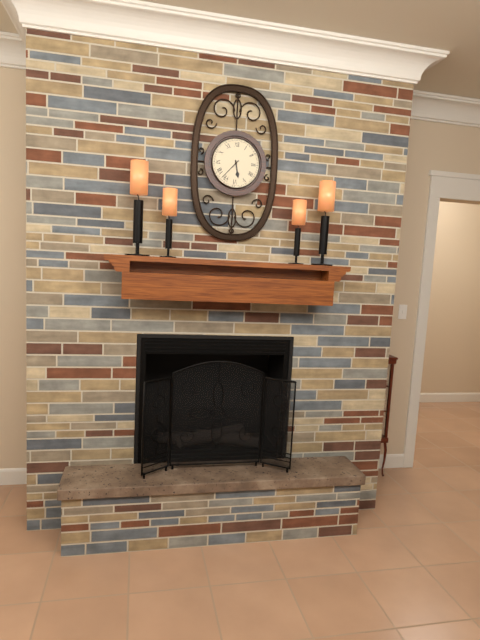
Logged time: 5 h 37 min
